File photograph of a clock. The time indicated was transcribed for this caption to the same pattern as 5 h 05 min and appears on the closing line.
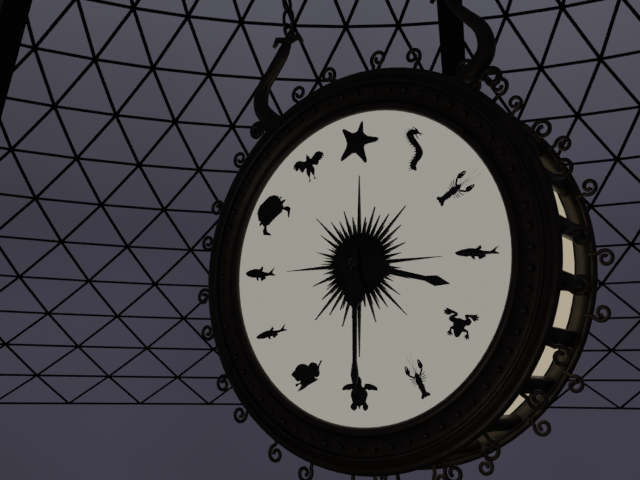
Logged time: 3 h 30 min
